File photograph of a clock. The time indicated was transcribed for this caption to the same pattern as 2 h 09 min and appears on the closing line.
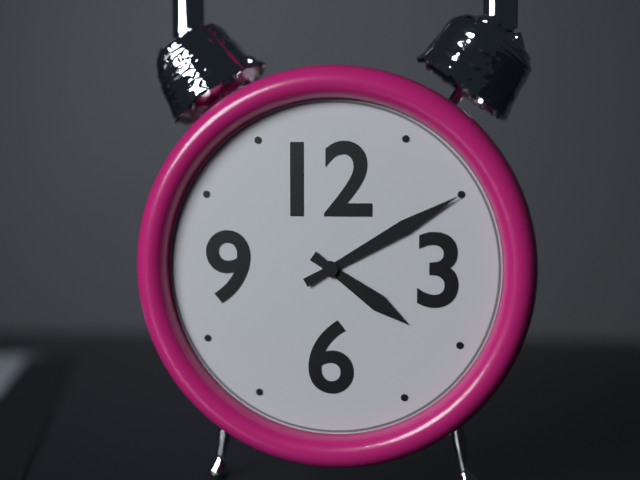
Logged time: 4 h 10 min
